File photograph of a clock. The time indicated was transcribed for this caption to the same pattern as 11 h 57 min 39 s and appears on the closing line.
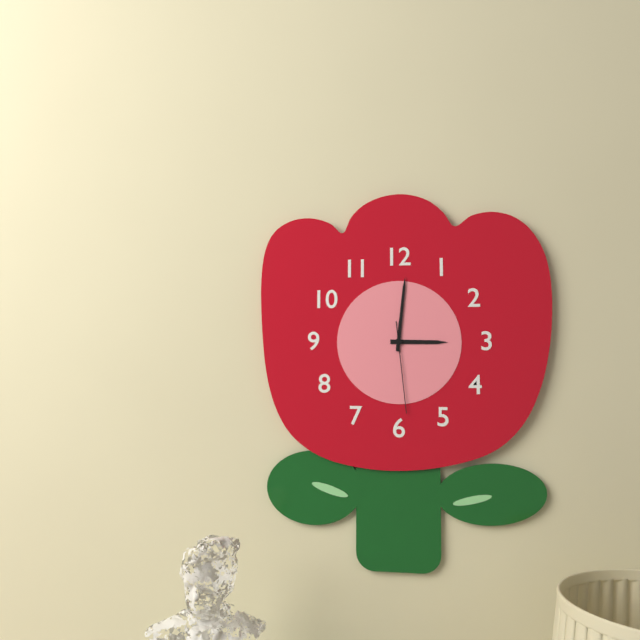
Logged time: 3 h 01 min 29 s
